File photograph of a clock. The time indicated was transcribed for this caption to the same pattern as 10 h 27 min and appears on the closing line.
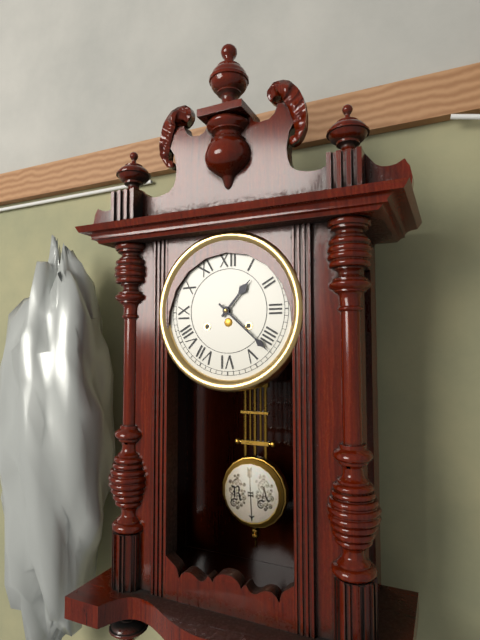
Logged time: 1 h 22 min
